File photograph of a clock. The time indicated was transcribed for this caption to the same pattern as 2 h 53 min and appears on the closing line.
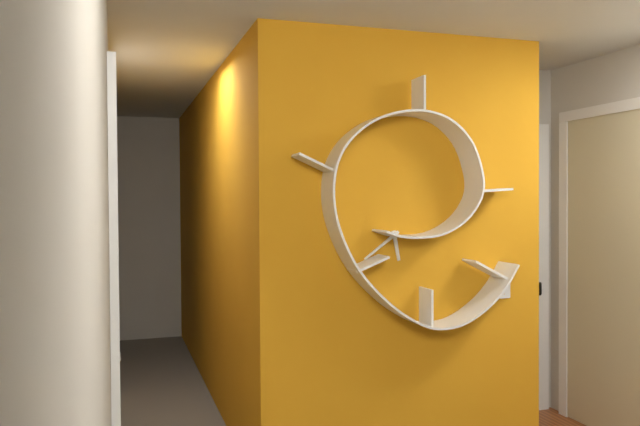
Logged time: 5 h 39 min
